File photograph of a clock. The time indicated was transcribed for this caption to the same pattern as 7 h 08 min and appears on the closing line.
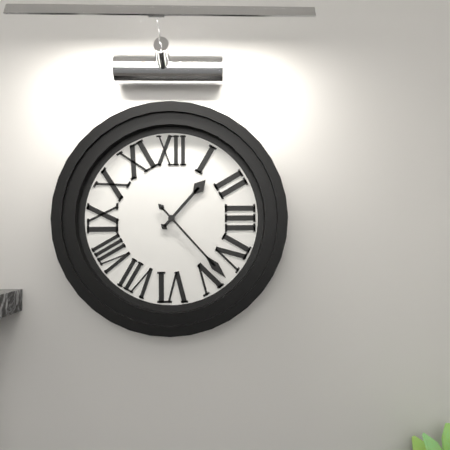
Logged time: 1 h 23 min
